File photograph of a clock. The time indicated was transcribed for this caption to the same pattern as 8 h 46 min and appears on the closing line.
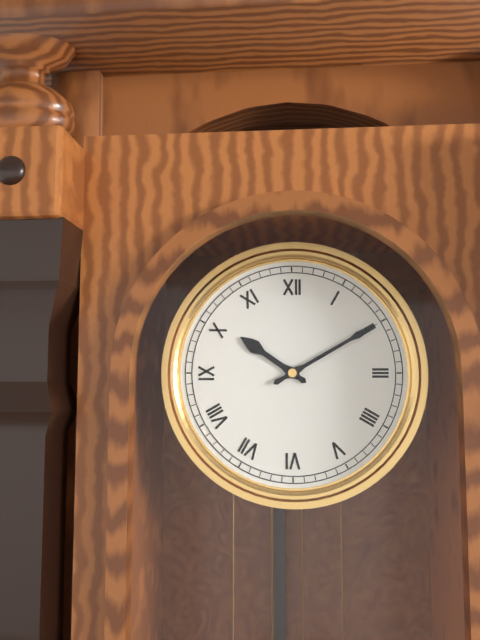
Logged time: 10 h 10 min
